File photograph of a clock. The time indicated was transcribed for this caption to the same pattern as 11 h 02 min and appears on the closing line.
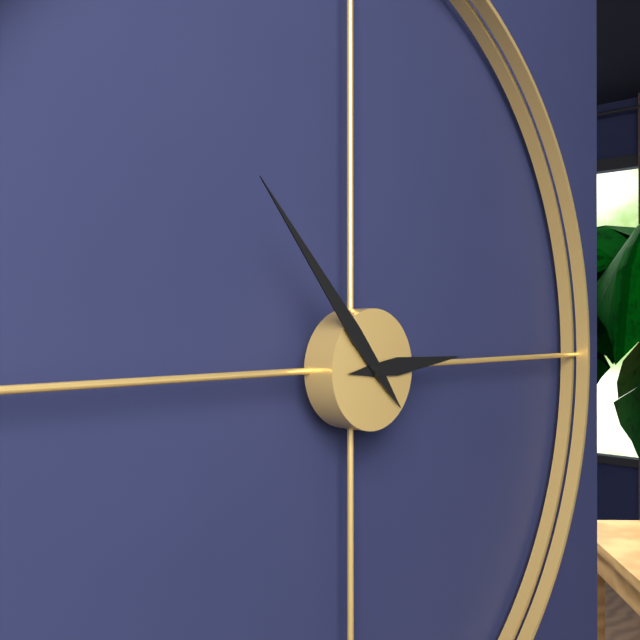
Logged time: 2 h 53 min
